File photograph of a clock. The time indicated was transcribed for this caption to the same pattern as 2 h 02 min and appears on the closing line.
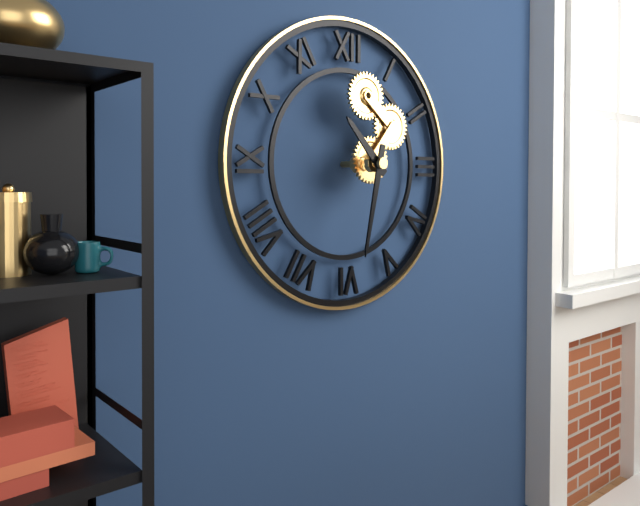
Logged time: 10 h 32 min
